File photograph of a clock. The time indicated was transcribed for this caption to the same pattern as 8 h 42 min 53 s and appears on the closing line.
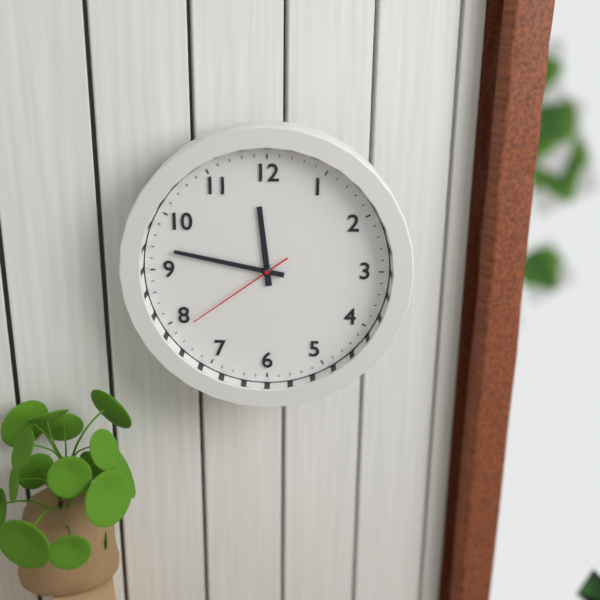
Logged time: 11 h 47 min 39 s
